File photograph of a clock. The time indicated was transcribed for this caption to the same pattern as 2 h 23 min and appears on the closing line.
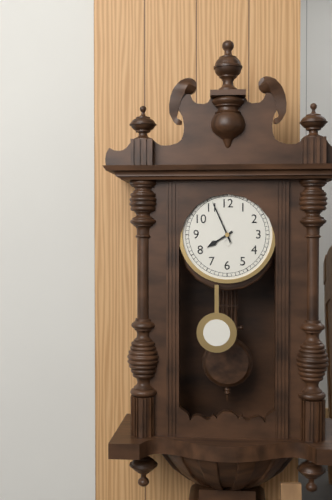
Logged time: 7 h 56 min
